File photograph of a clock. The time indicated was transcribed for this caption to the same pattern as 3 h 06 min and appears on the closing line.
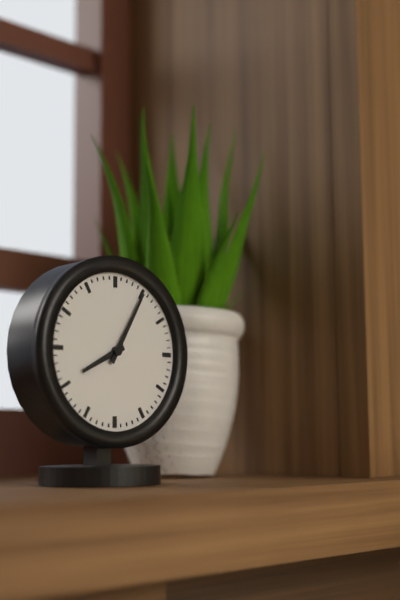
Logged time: 8 h 05 min
